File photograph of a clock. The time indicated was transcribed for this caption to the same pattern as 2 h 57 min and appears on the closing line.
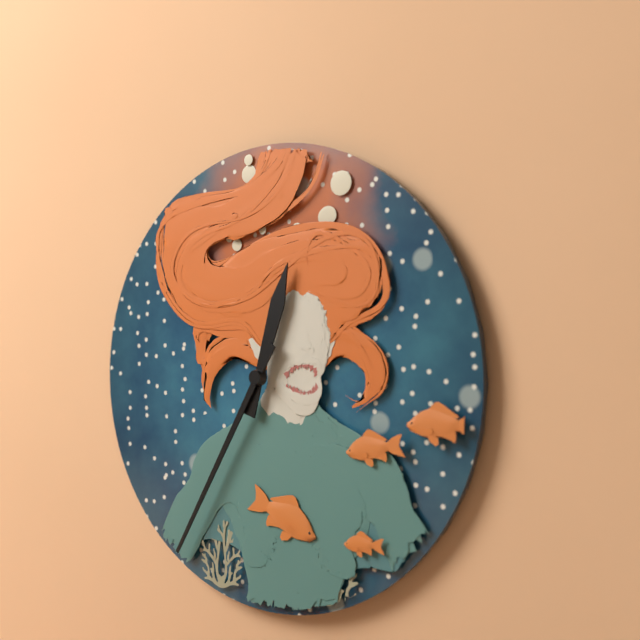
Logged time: 12 h 35 min
